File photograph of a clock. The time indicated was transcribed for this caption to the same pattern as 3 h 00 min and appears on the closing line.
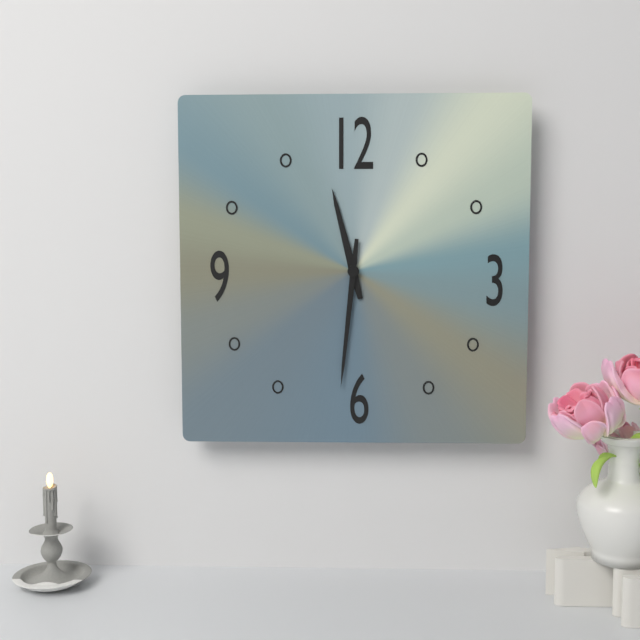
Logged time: 11 h 31 min
